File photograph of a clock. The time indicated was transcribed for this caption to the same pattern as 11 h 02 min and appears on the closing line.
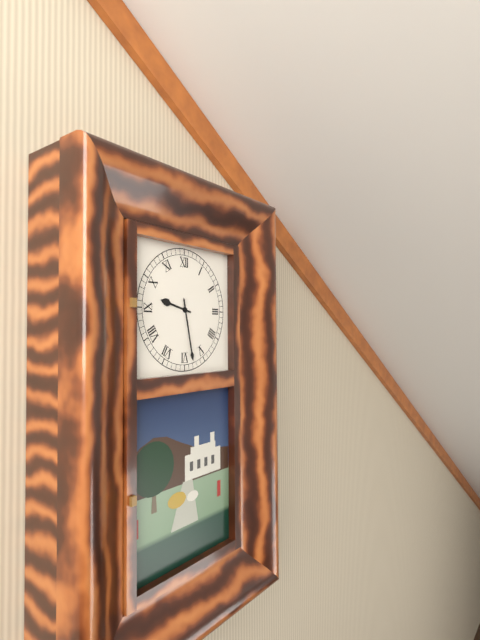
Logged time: 9 h 28 min
